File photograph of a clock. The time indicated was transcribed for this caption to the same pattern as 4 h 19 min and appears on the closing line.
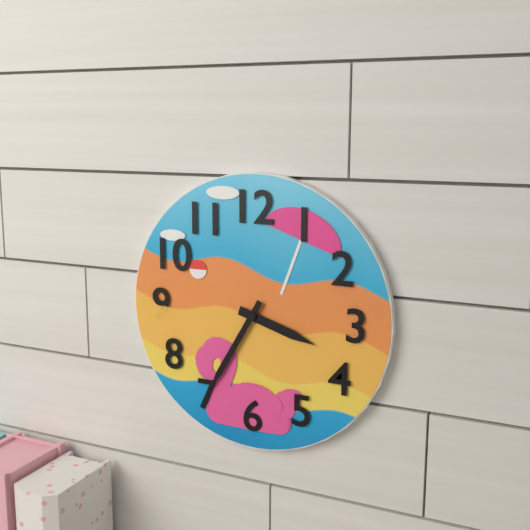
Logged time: 3 h 35 min
